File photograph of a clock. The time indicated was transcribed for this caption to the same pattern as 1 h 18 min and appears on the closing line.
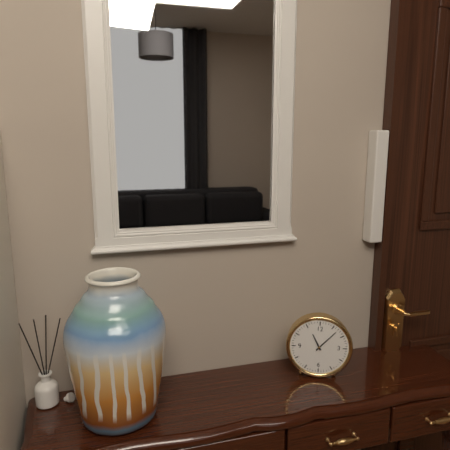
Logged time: 11 h 07 min
